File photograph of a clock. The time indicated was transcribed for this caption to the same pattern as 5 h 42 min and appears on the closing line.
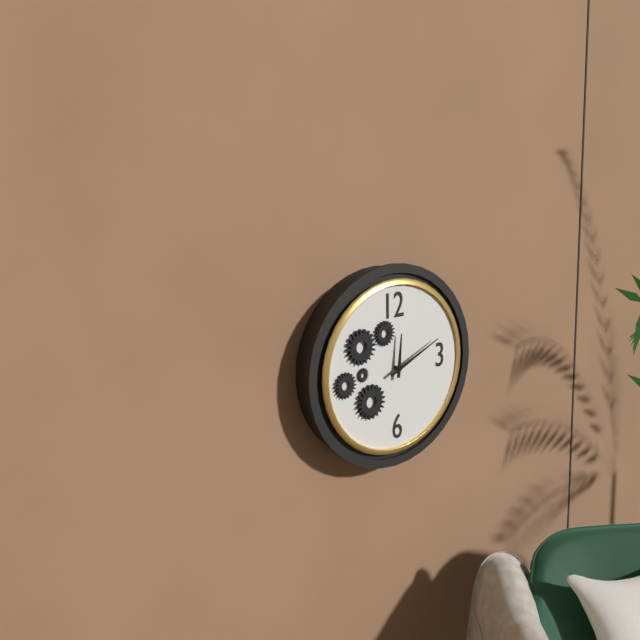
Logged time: 12 h 11 min
